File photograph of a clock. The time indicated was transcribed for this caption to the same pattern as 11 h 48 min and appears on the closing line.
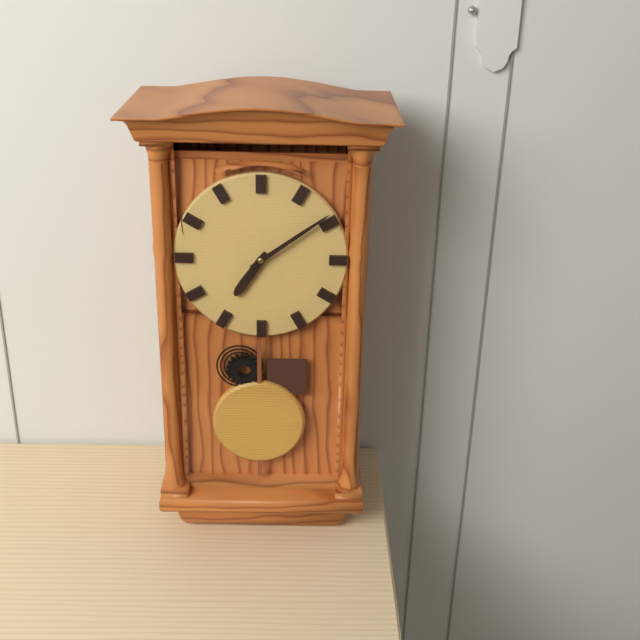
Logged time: 7 h 09 min
